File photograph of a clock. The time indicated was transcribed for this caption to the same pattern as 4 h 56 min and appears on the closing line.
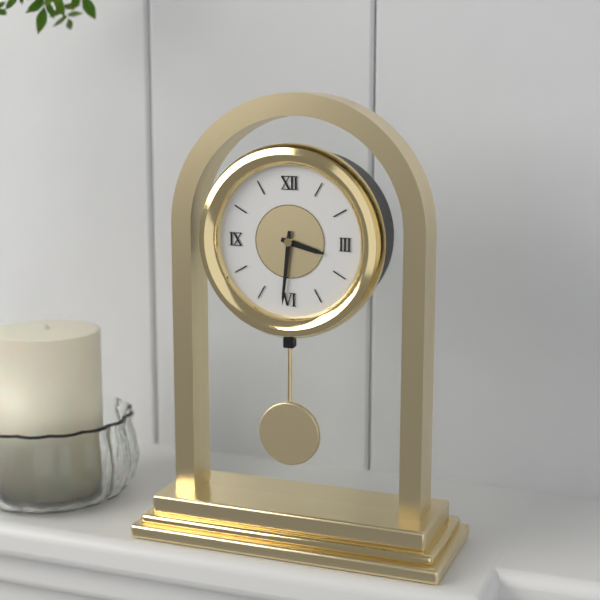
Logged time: 3 h 31 min
